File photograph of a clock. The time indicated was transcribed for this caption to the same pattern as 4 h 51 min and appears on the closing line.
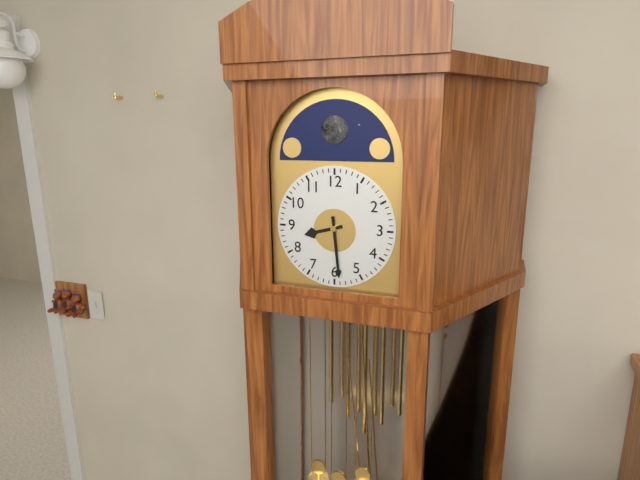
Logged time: 8 h 29 min
